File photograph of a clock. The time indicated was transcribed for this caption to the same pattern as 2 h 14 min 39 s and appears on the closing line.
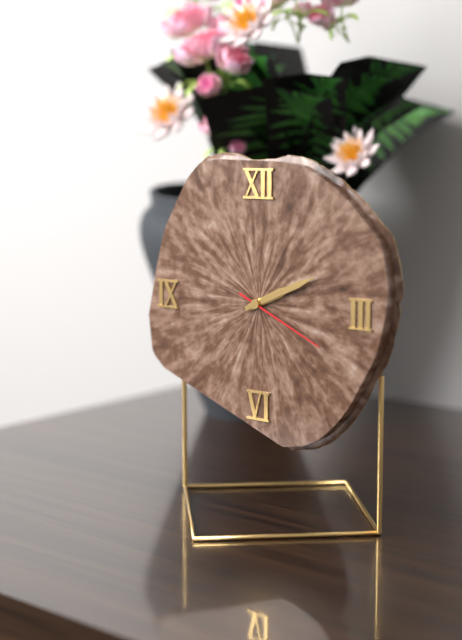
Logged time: 2 h 11 min 19 s
